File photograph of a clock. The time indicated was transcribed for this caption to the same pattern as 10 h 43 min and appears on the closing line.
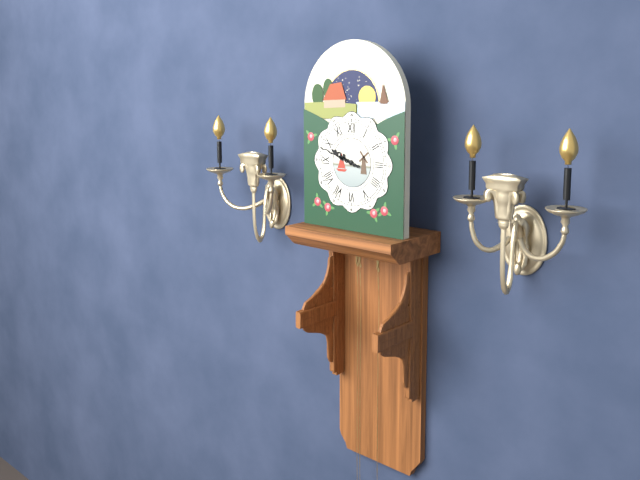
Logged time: 9 h 48 min
